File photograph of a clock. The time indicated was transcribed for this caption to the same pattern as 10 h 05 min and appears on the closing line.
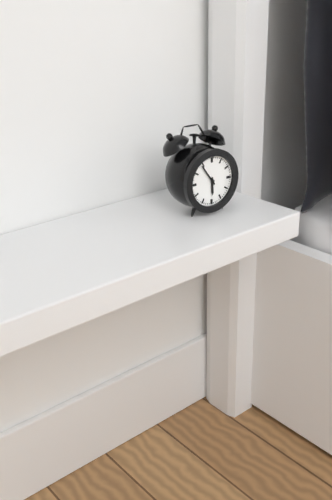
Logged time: 5 h 54 min
